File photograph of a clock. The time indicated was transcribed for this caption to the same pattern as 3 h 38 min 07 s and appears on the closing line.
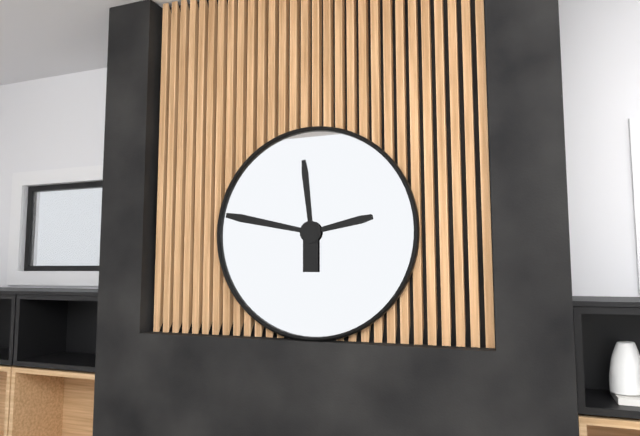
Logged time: 11 h 47 min 13 s
